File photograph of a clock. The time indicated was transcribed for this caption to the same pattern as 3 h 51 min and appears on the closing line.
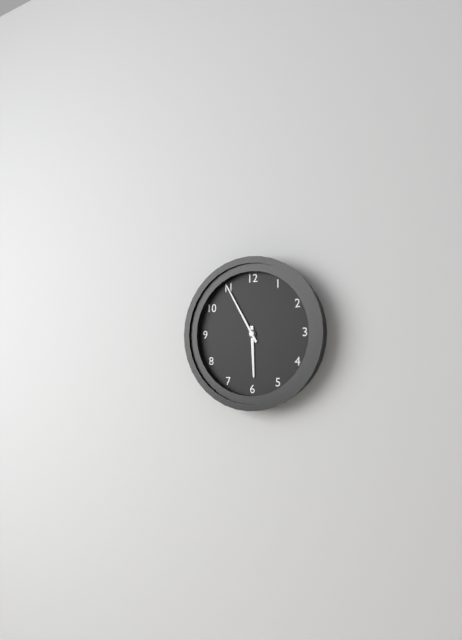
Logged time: 5 h 55 min
